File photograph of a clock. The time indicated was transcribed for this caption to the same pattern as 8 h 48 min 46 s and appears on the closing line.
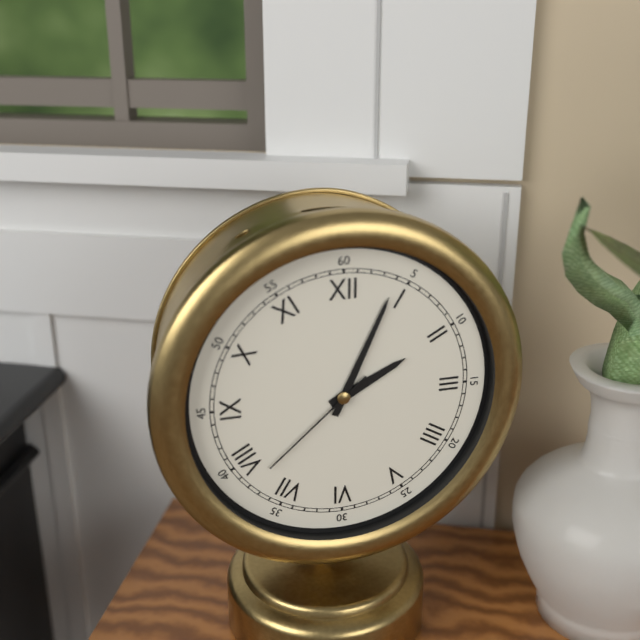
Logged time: 2 h 04 min 38 s
